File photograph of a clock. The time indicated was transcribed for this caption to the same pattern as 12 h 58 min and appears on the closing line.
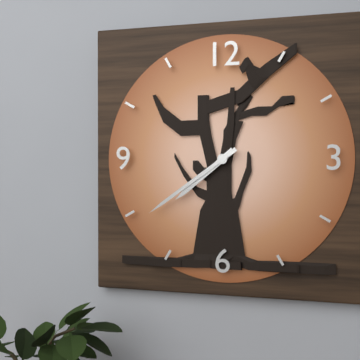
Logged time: 7 h 39 min
